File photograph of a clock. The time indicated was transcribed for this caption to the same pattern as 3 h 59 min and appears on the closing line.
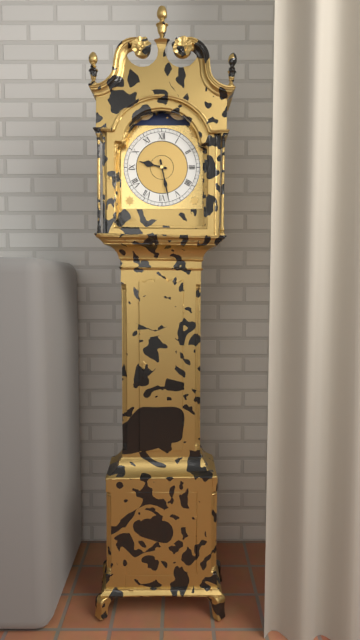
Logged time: 9 h 28 min
